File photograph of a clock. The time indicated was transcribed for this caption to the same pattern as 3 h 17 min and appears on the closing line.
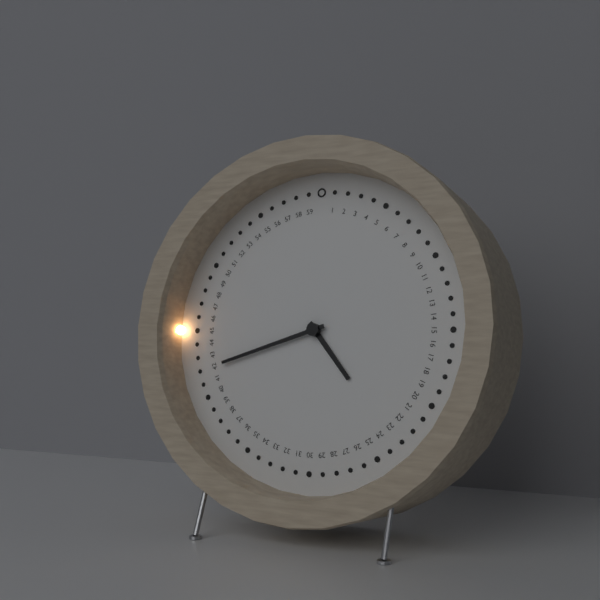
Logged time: 4 h 42 min
